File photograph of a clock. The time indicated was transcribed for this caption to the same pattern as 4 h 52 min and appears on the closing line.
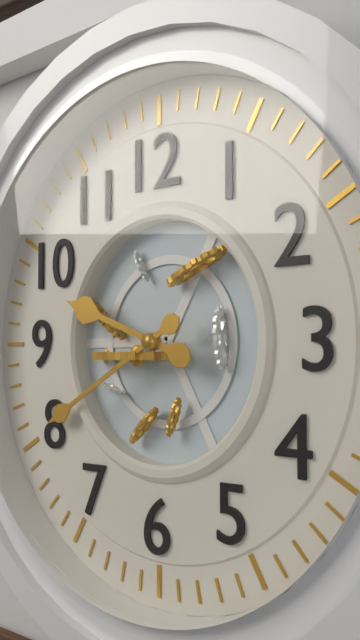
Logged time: 9 h 40 min
